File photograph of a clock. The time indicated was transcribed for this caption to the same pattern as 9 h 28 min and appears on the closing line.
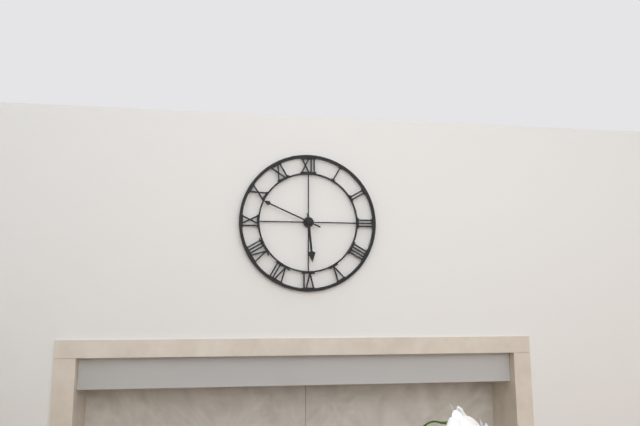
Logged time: 5 h 49 min
